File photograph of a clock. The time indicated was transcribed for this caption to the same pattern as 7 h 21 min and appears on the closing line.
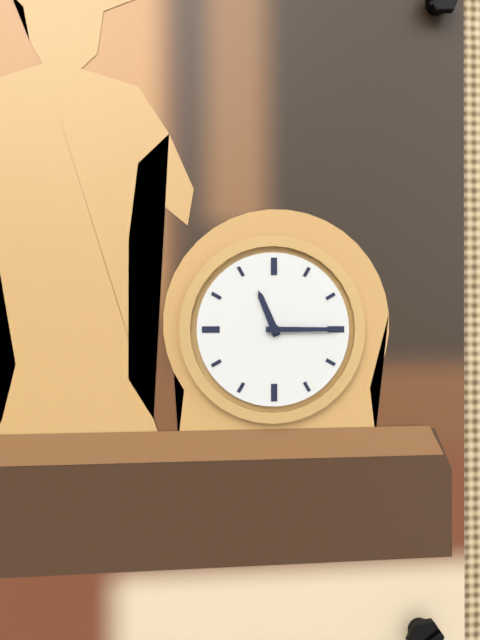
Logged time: 11 h 15 min
